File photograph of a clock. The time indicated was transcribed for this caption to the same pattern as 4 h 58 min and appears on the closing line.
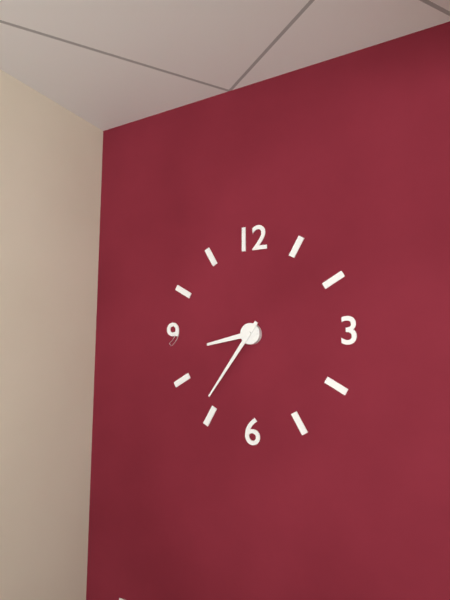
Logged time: 8 h 36 min
